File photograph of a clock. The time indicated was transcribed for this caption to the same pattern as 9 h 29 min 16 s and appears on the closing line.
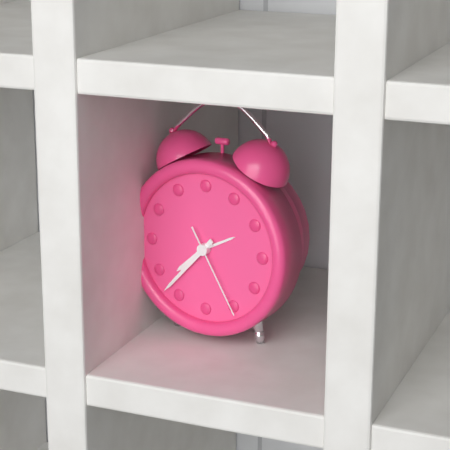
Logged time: 7 h 37 min 25 s
